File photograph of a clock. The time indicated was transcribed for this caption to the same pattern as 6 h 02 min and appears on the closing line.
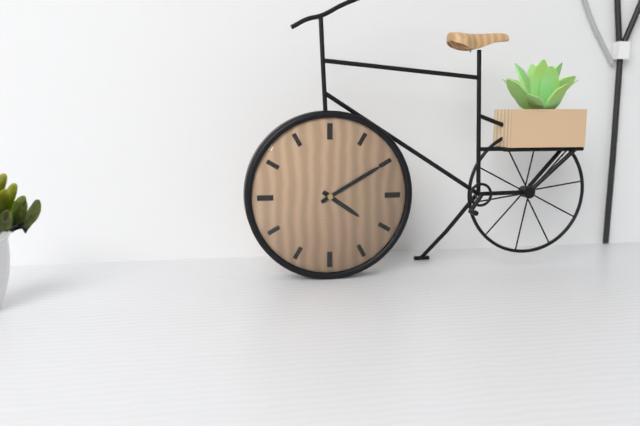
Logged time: 4 h 10 min
